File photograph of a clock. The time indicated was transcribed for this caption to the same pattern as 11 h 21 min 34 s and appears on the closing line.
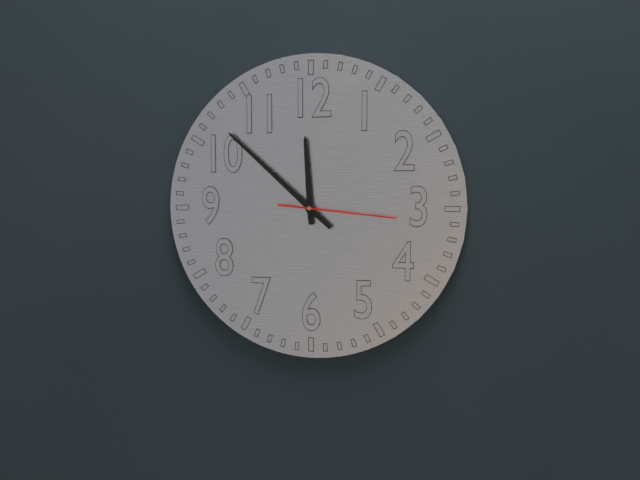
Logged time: 11 h 52 min 16 s
